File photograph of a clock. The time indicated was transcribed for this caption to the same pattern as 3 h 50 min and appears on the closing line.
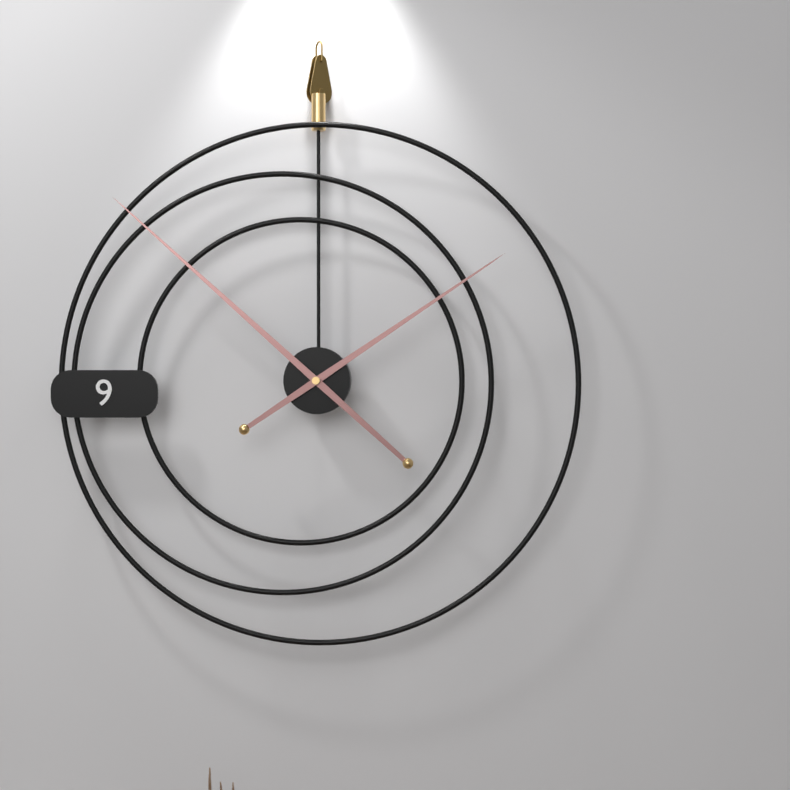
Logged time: 1 h 52 min
